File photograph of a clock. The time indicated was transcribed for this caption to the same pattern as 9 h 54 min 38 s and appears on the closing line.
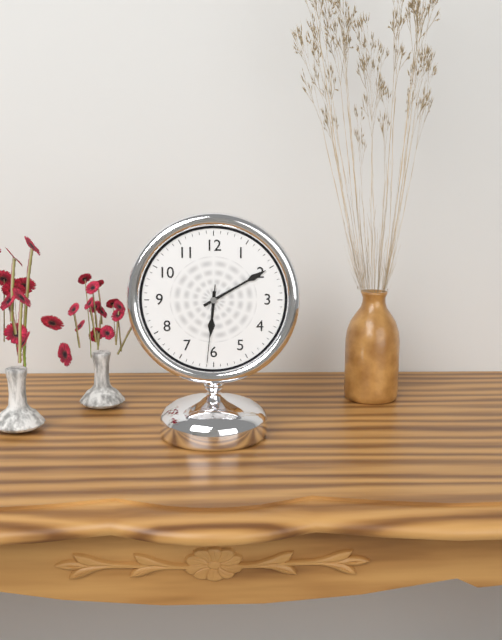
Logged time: 6 h 10 min 31 s
